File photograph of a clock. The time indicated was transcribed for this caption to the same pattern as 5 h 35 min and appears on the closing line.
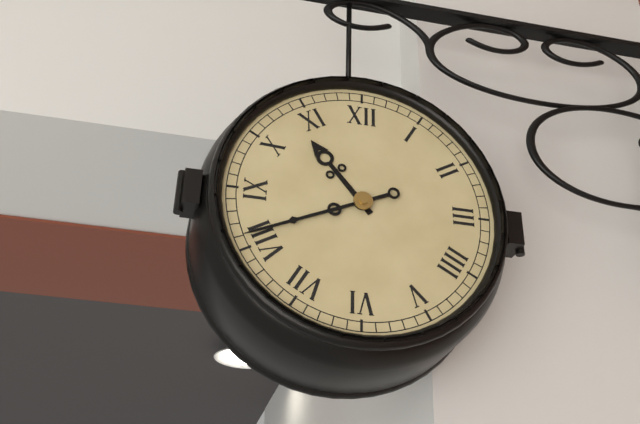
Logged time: 10 h 41 min
